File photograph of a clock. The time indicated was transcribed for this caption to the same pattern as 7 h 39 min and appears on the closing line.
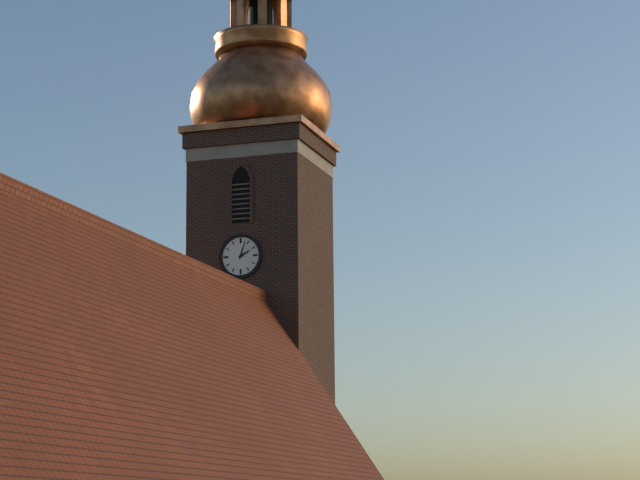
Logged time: 2 h 03 min
